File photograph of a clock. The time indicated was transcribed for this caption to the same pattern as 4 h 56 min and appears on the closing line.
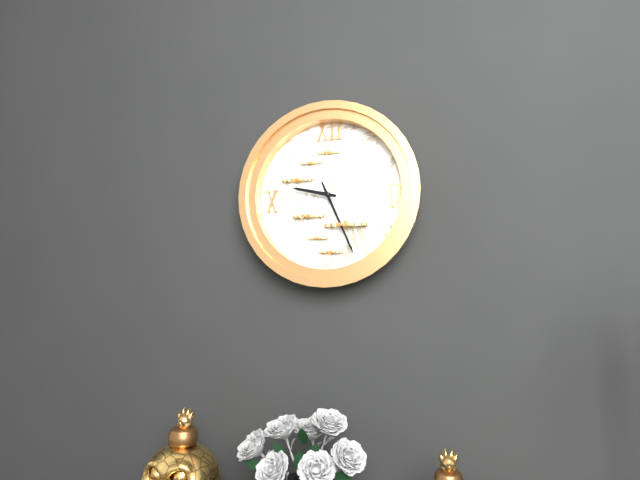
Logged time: 9 h 26 min
